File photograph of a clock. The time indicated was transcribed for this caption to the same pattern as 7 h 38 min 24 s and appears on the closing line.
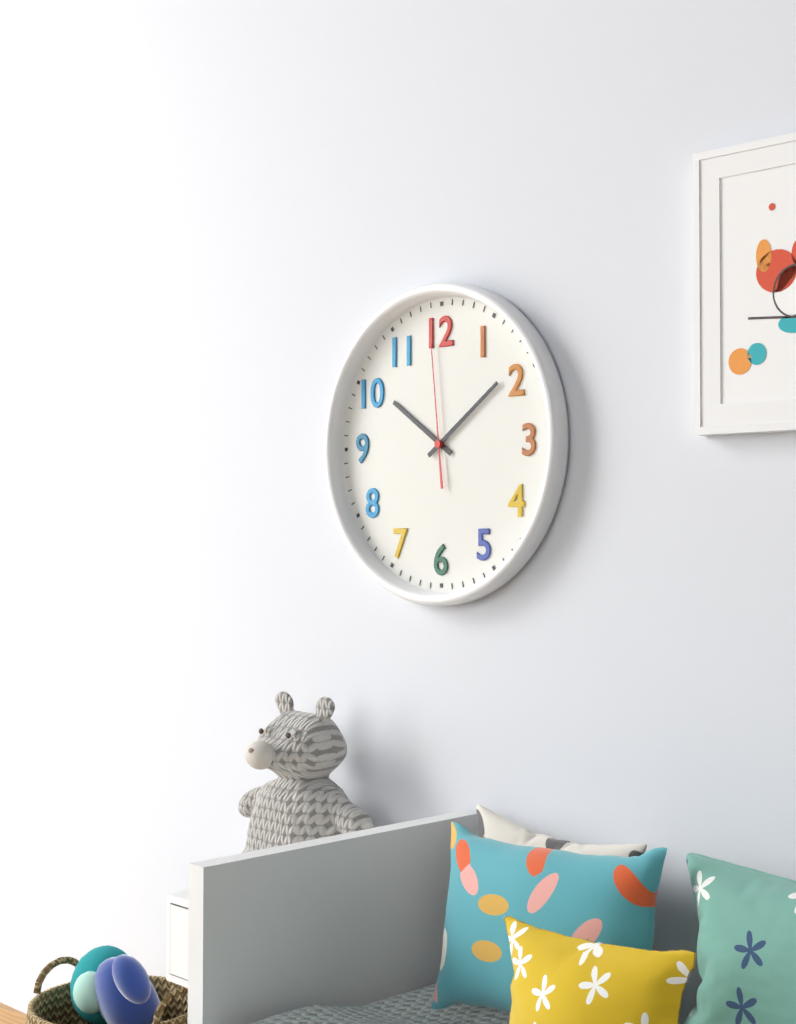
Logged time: 10 h 09 min 59 s
